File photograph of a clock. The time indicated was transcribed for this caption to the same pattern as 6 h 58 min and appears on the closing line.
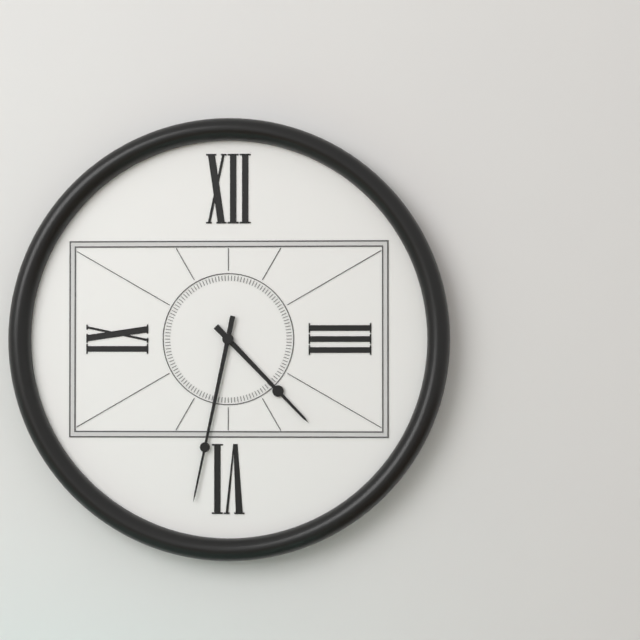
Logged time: 4 h 32 min
